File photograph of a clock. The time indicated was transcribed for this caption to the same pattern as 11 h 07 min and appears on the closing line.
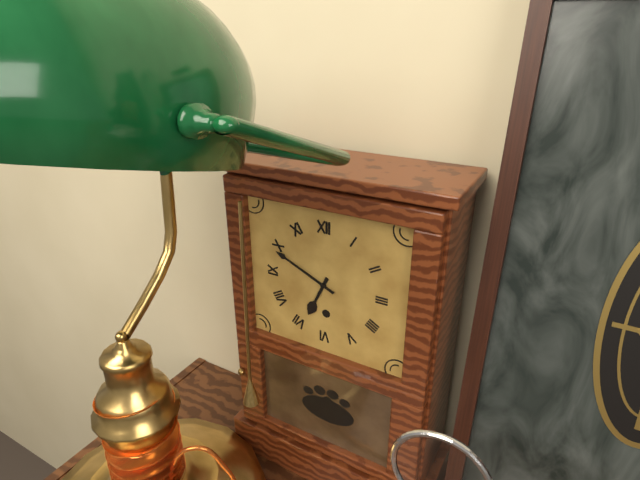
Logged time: 6 h 49 min
